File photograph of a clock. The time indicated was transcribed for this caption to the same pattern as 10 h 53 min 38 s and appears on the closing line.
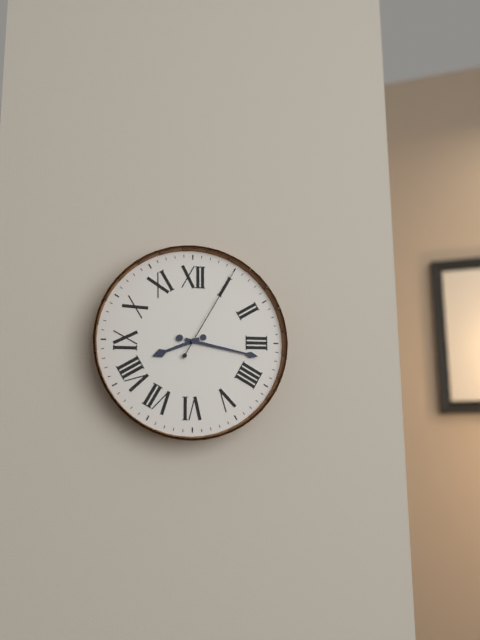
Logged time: 8 h 17 min 05 s
